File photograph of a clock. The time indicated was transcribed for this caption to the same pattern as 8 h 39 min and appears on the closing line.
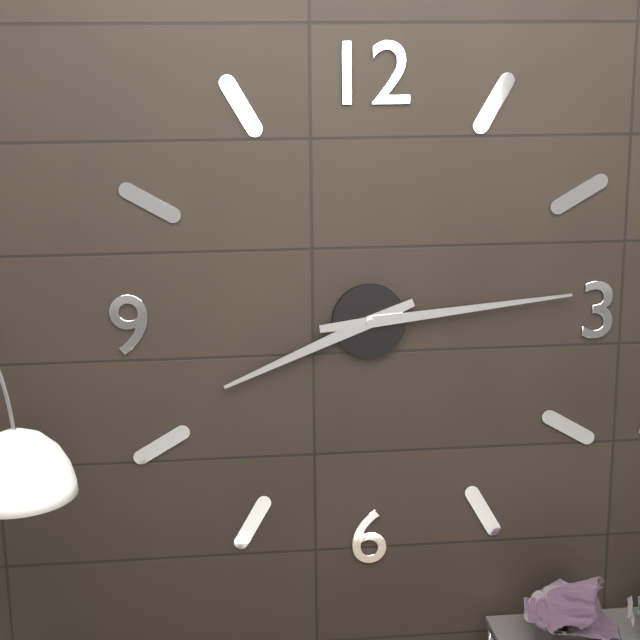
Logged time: 8 h 14 min
